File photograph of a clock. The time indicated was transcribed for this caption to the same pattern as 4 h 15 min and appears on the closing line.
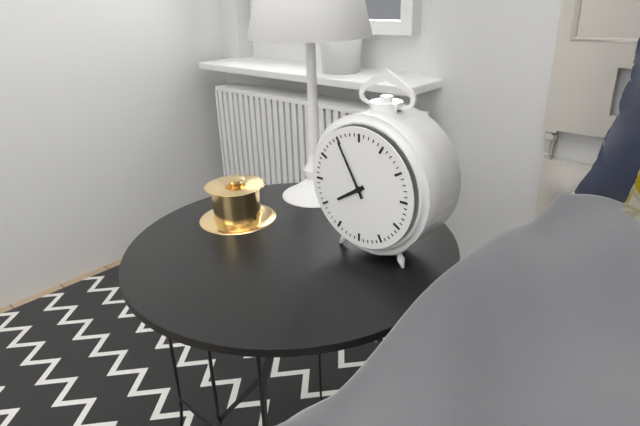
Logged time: 7 h 55 min
